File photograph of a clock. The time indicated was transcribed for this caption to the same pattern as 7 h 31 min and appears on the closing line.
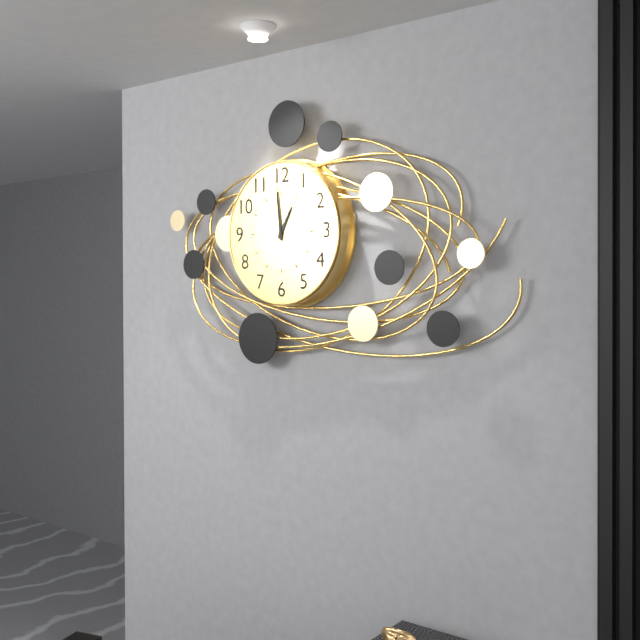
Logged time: 12 h 59 min
